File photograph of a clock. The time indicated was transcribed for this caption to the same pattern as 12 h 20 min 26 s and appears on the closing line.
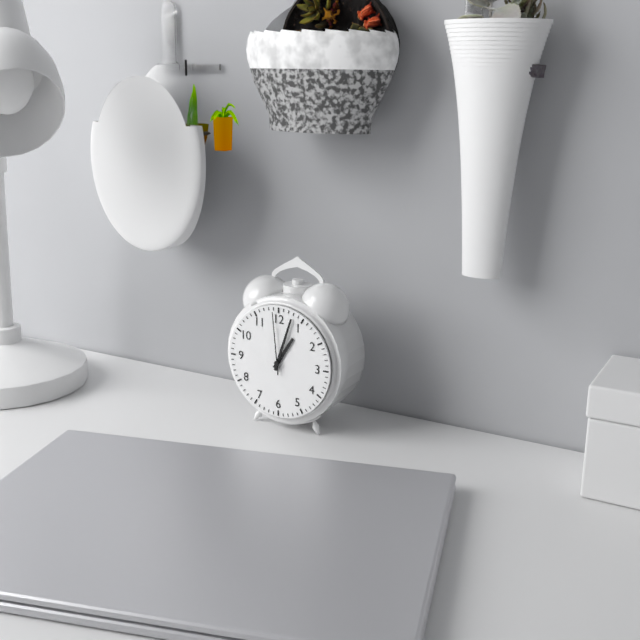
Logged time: 1 h 03 min 59 s
